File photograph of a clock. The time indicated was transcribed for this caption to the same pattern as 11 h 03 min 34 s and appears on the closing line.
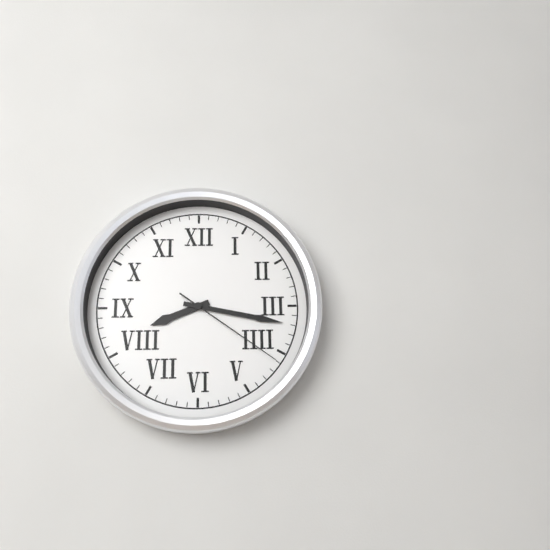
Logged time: 8 h 17 min 21 s
